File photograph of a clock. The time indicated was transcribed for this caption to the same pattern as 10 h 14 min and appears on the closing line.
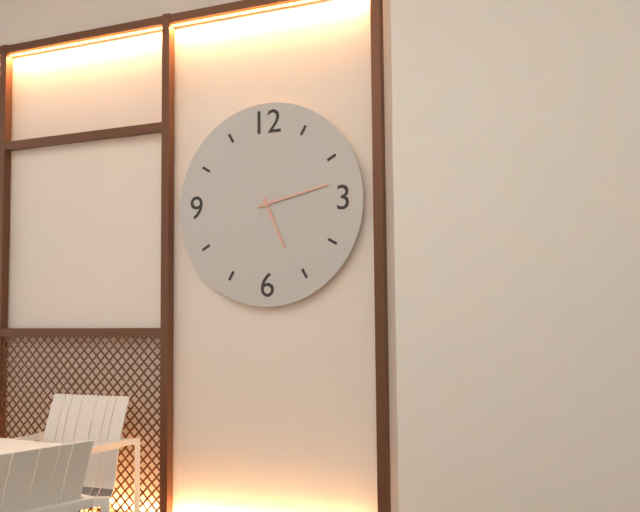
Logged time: 5 h 13 min
